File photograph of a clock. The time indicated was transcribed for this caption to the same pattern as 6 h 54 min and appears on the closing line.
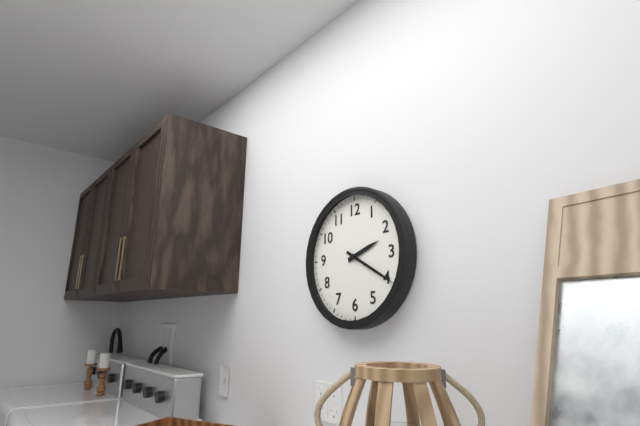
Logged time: 2 h 20 min
